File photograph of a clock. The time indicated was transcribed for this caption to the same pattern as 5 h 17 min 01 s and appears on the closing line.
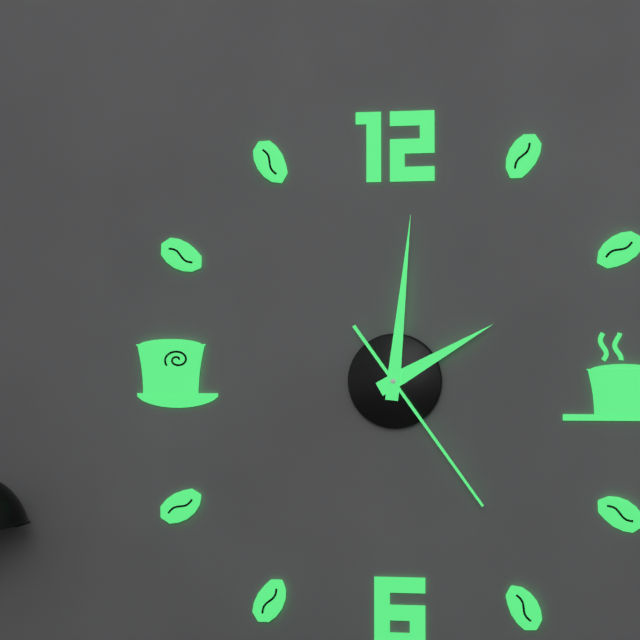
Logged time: 2 h 01 min 24 s
